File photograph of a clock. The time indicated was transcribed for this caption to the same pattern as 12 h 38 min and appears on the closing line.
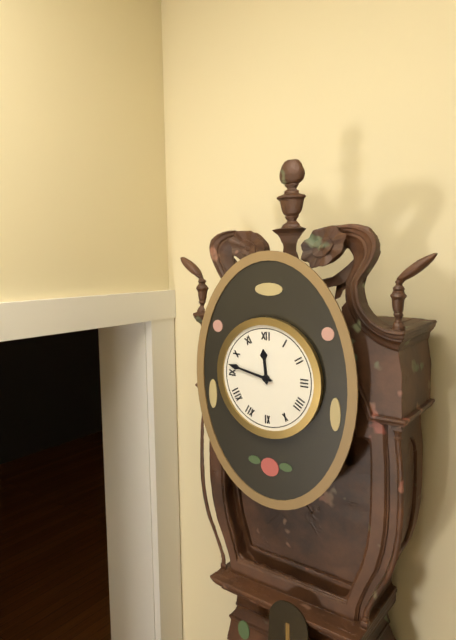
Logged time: 11 h 47 min
